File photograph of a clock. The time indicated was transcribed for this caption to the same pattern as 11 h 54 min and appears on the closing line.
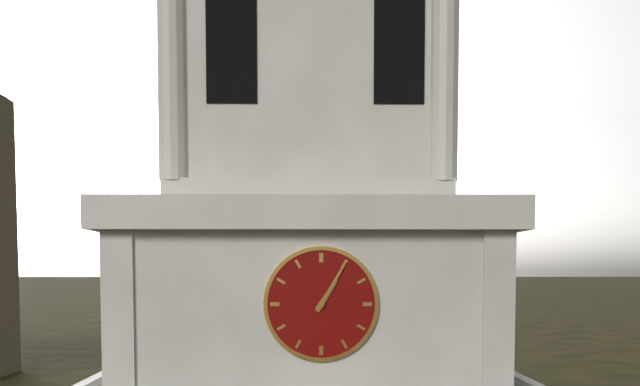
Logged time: 1 h 05 min
